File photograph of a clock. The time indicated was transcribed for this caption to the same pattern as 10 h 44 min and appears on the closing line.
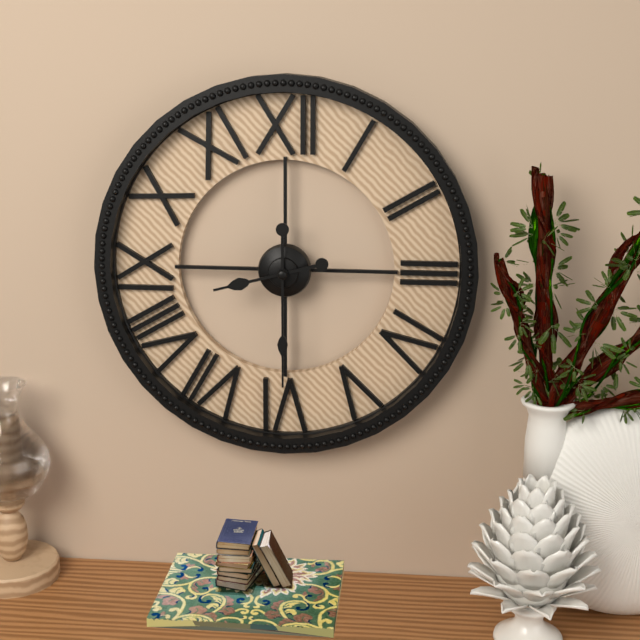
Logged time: 8 h 30 min
